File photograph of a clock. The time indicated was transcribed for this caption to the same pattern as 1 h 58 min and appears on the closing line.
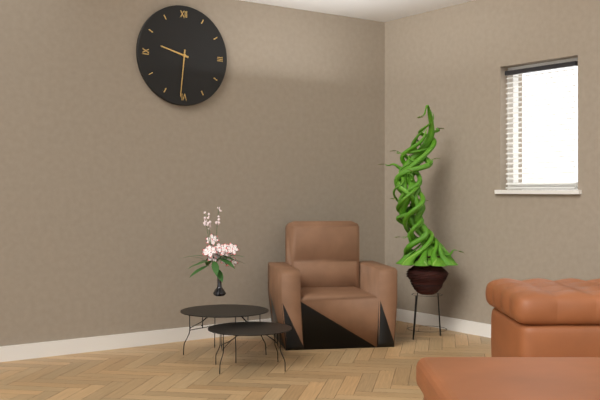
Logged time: 9 h 31 min
